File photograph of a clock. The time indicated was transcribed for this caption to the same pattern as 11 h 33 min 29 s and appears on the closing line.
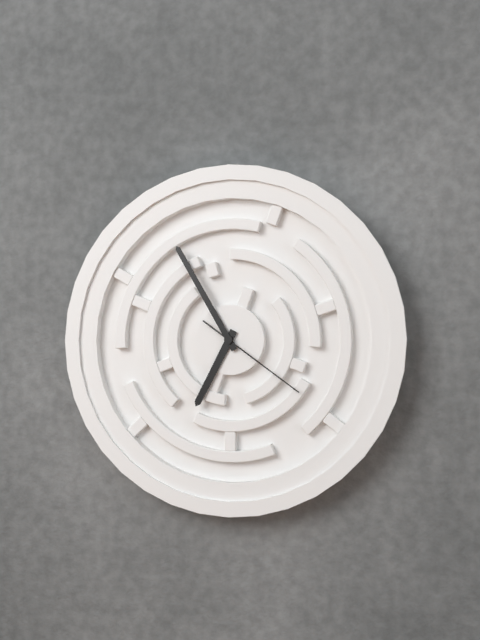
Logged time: 6 h 55 min 21 s
